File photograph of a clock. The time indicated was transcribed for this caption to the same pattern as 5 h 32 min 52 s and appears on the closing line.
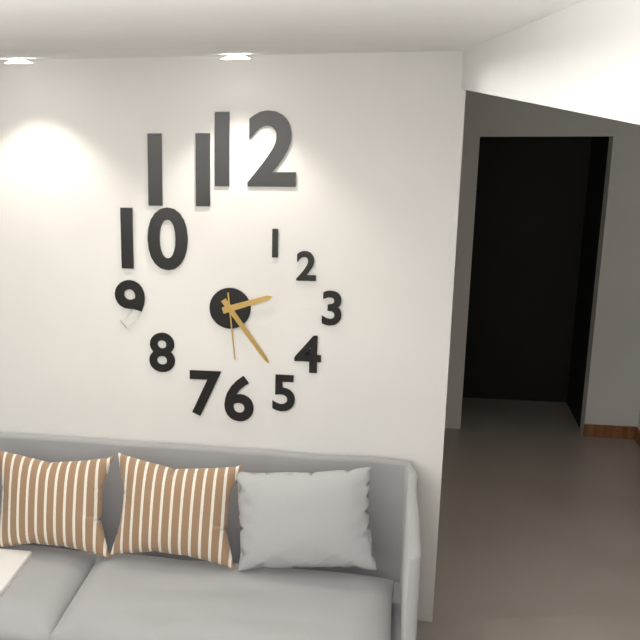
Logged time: 2 h 24 min 29 s
